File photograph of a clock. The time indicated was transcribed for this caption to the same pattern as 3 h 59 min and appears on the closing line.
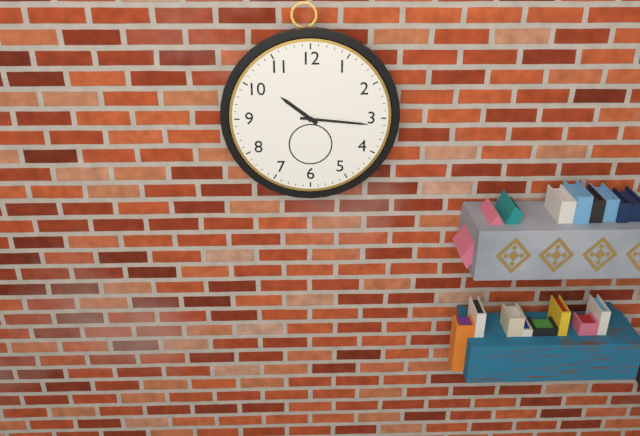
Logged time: 10 h 16 min
